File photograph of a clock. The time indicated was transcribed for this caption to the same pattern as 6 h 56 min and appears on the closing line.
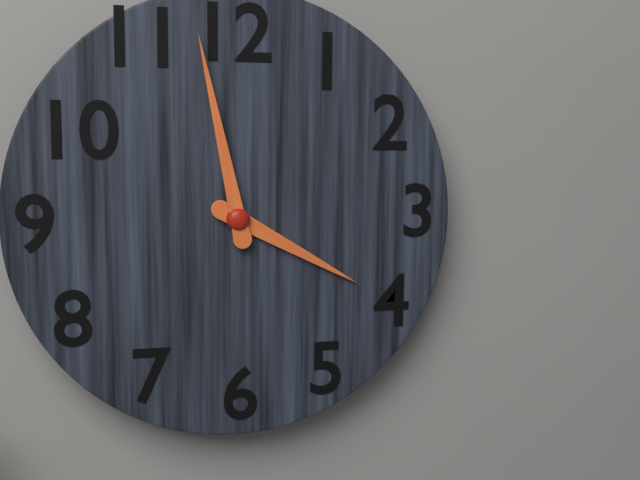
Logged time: 3 h 58 min
